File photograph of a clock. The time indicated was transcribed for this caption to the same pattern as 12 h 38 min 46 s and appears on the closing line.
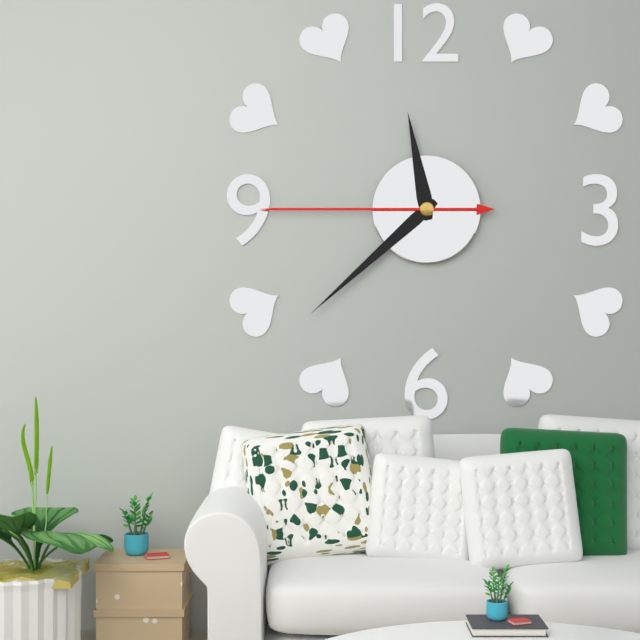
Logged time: 11 h 38 min 45 s
